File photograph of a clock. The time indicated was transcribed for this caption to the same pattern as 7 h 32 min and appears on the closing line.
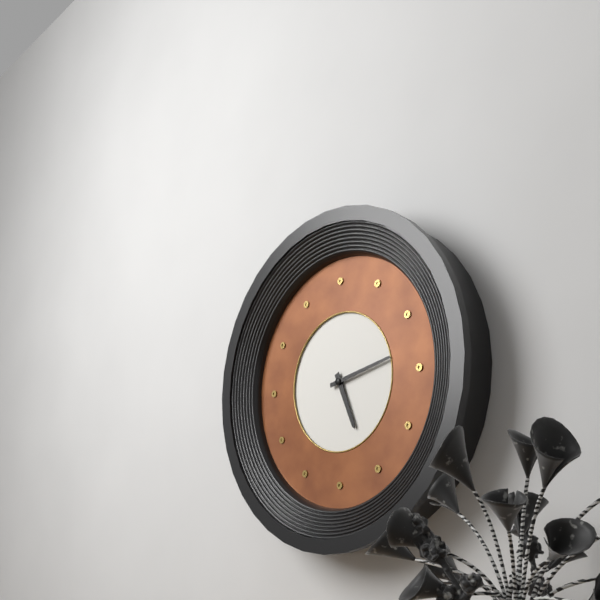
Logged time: 5 h 13 min
